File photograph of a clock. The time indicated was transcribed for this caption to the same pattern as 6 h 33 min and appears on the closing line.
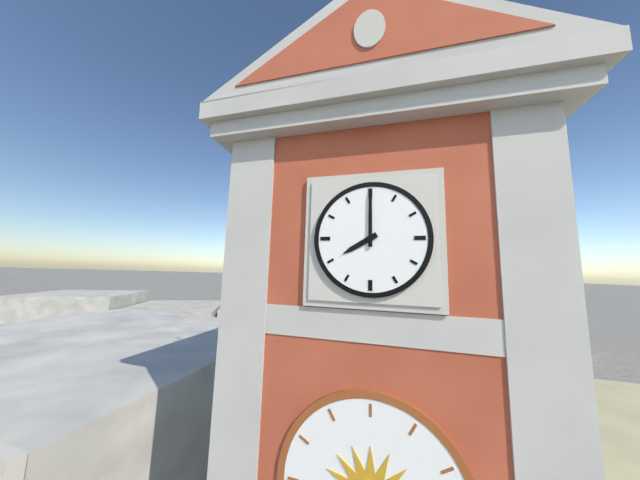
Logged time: 8 h 00 min
